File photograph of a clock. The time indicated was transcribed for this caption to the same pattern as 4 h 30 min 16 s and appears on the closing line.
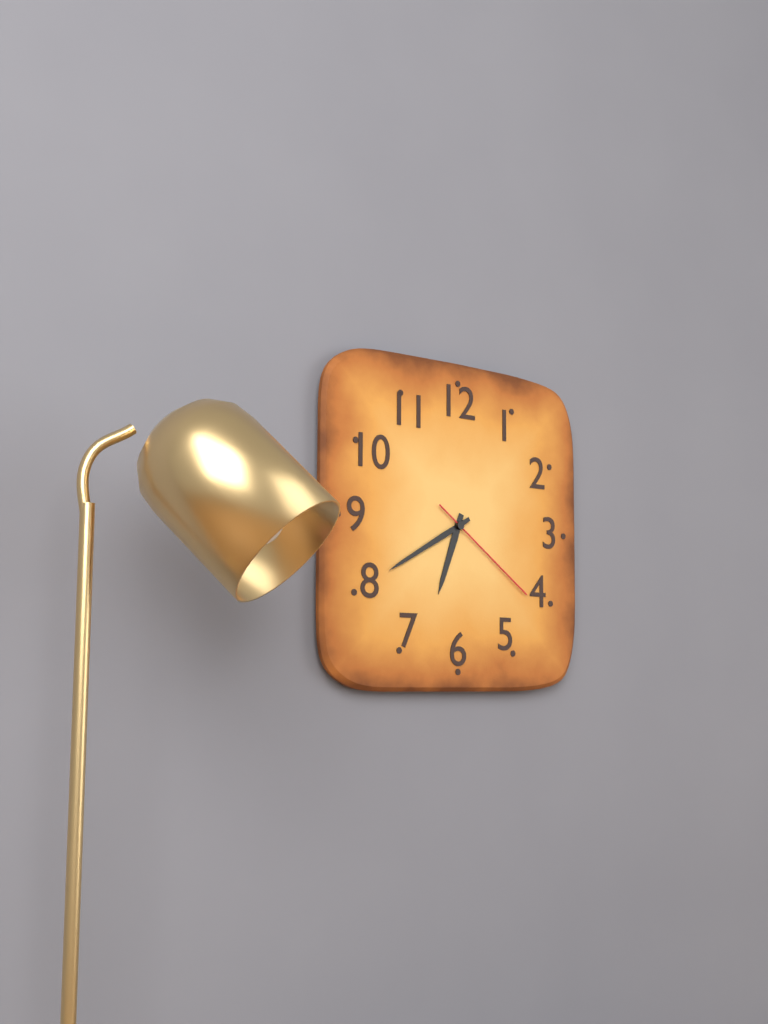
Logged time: 6 h 40 min 21 s
